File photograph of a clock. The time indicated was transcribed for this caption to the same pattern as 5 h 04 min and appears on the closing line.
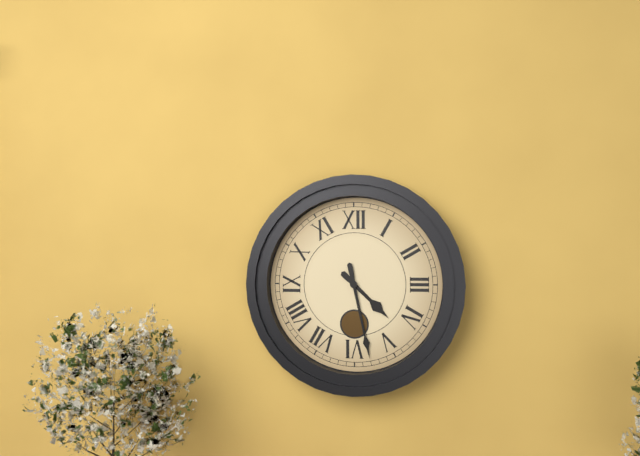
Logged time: 4 h 28 min
